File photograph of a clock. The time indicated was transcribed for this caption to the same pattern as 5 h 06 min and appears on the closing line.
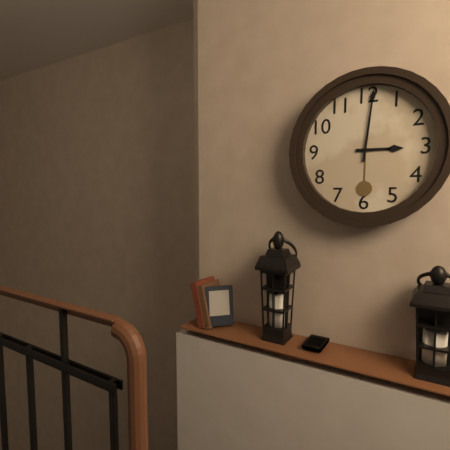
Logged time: 3 h 01 min
